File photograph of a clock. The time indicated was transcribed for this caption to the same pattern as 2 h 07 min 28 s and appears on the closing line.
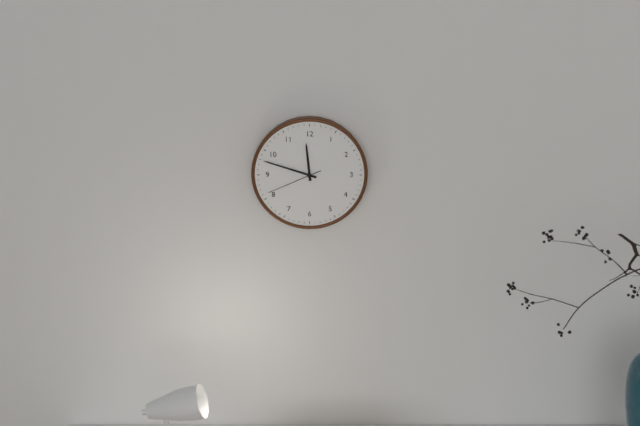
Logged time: 11 h 48 min 41 s
